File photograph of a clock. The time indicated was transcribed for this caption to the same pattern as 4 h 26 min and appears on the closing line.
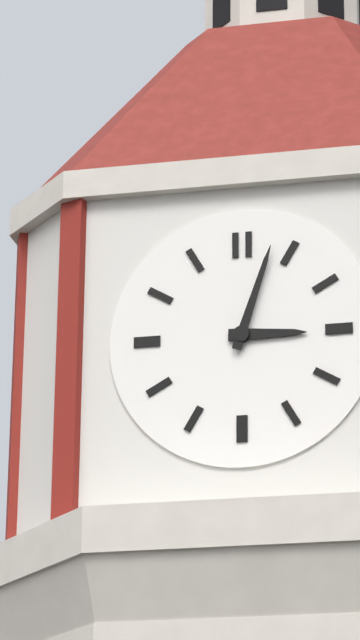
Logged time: 3 h 03 min
